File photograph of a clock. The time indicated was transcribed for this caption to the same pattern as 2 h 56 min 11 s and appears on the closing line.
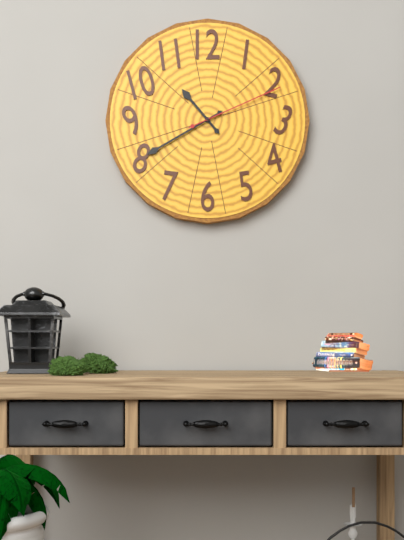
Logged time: 10 h 40 min 11 s
